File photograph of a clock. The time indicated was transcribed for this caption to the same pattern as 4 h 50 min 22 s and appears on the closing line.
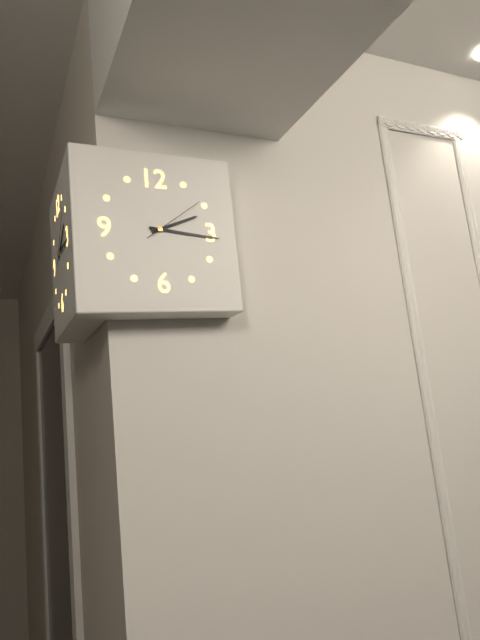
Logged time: 2 h 16 min 09 s
